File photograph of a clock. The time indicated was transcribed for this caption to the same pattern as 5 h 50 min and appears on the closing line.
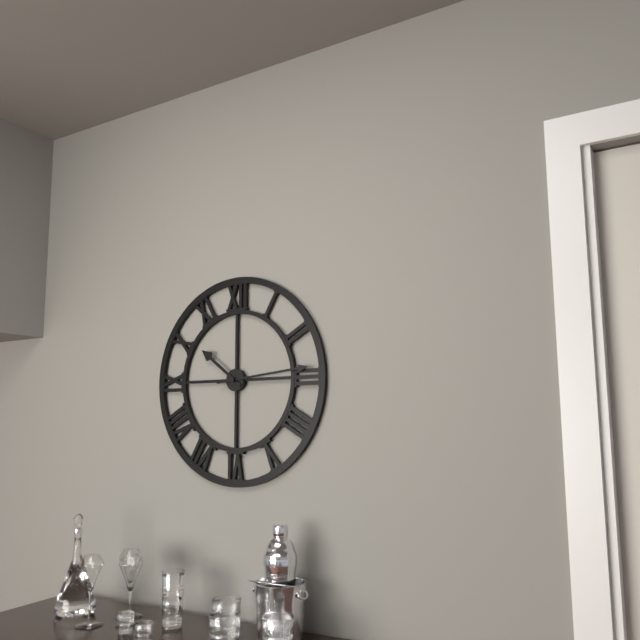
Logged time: 10 h 14 min
